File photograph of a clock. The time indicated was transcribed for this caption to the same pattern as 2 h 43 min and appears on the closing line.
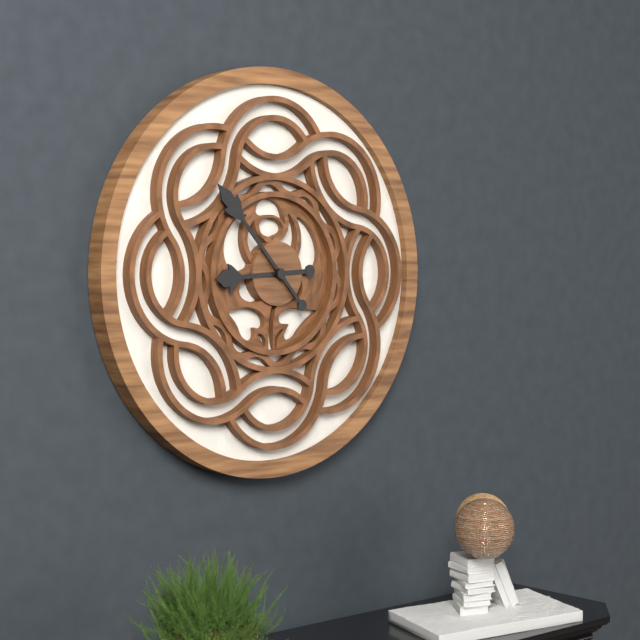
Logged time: 8 h 53 min
